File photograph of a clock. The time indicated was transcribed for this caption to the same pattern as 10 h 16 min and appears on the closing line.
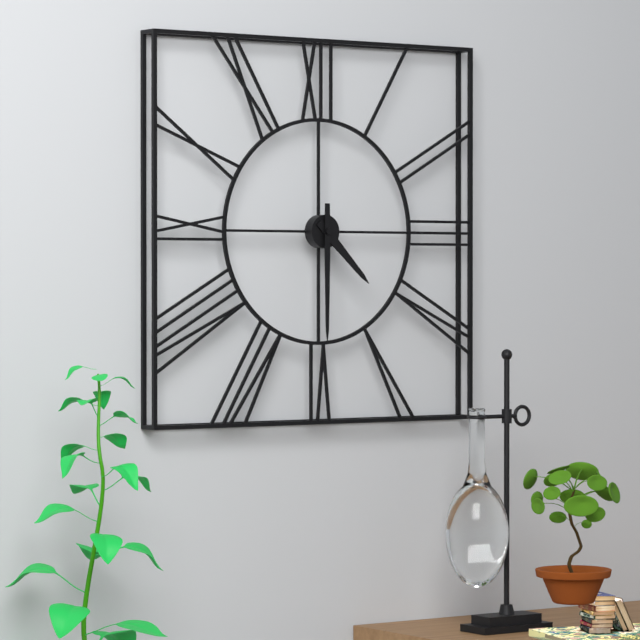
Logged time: 4 h 30 min
